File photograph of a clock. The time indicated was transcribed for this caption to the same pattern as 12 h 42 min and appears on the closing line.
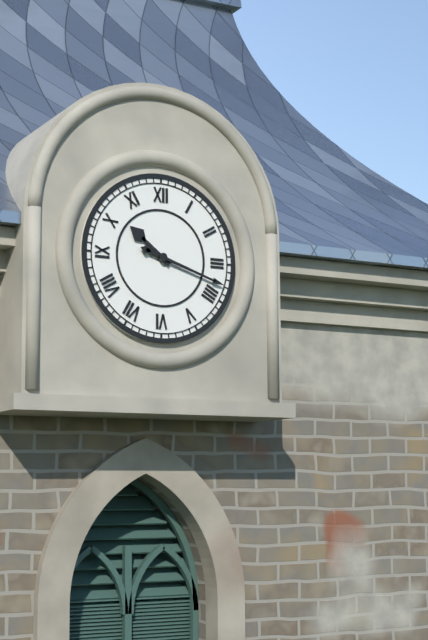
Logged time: 10 h 18 min
